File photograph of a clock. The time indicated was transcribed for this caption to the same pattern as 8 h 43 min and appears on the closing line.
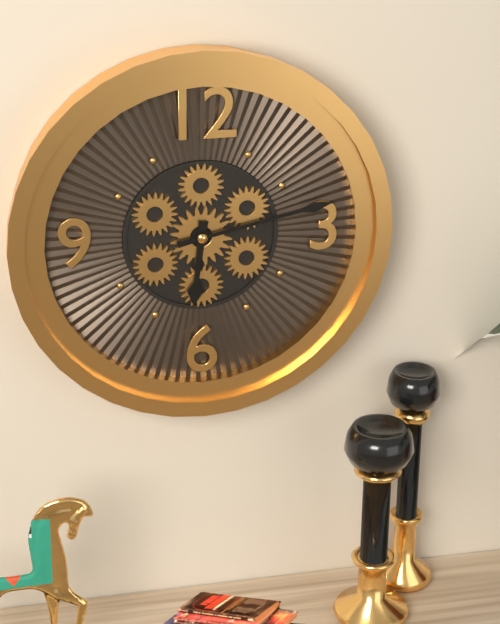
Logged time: 6 h 13 min
